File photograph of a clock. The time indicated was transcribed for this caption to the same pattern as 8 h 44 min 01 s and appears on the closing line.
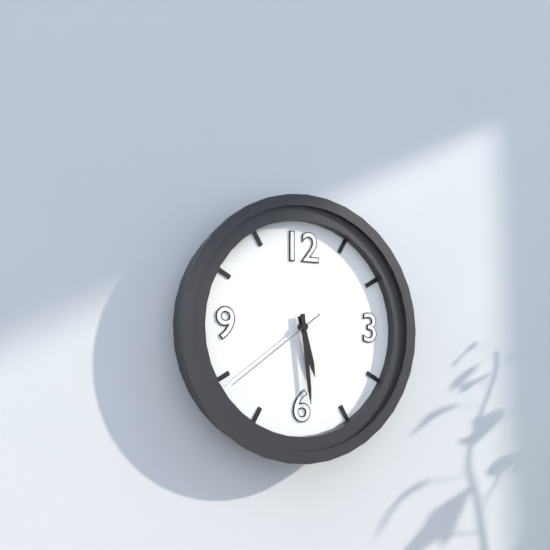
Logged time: 5 h 29 min 39 s
